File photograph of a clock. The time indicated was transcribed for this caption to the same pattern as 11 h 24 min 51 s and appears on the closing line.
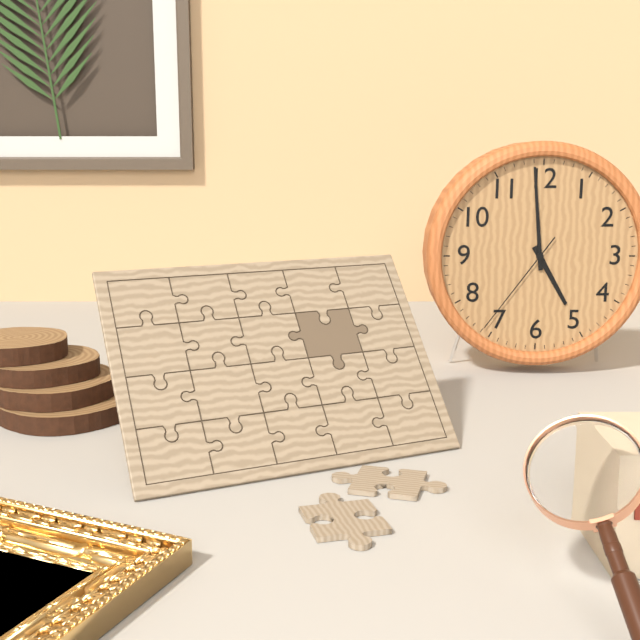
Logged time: 4 h 59 min 36 s
